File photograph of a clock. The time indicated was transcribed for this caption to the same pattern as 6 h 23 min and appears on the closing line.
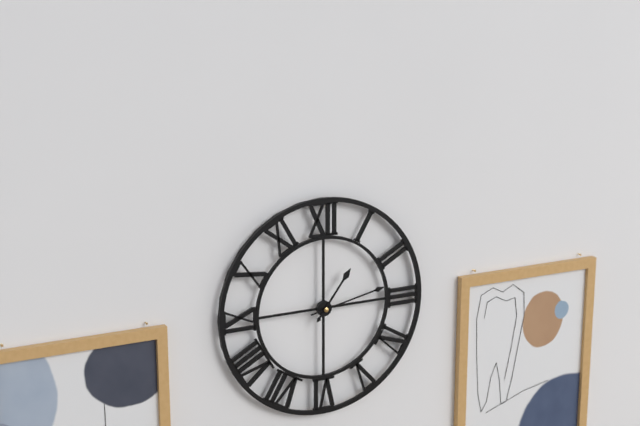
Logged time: 1 h 13 min
